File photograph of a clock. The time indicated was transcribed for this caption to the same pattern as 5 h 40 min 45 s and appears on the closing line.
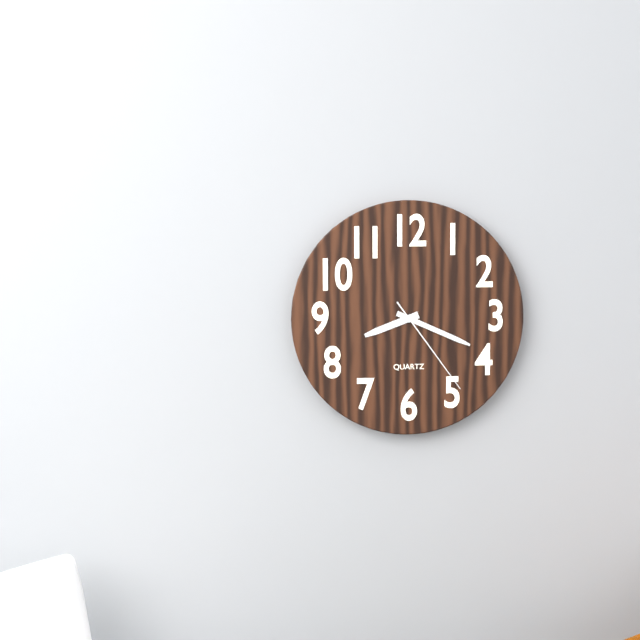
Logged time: 8 h 19 min 24 s
